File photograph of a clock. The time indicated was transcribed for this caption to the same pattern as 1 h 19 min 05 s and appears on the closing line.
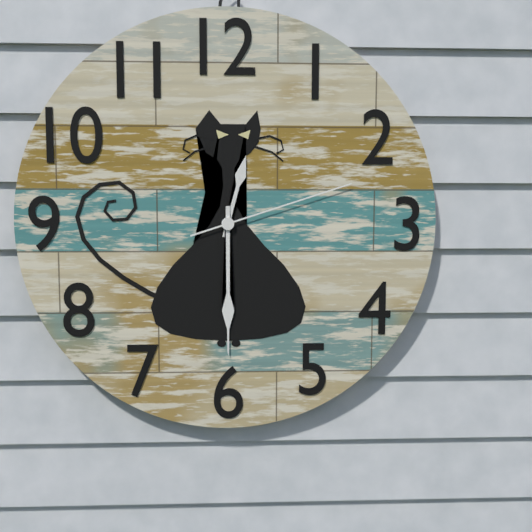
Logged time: 12 h 30 min 12 s
